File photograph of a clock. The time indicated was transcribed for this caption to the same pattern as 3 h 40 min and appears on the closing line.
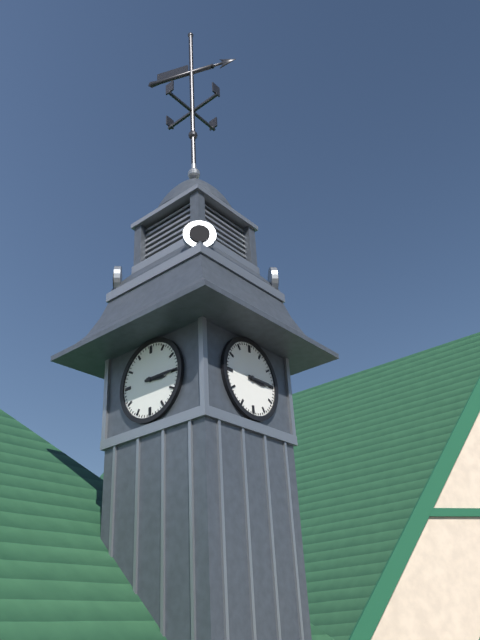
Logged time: 3 h 15 min
